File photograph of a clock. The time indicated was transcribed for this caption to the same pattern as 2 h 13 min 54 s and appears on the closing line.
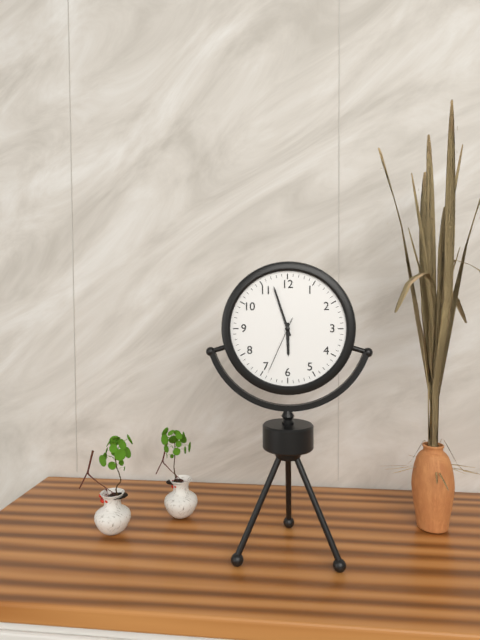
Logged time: 5 h 57 min 34 s
